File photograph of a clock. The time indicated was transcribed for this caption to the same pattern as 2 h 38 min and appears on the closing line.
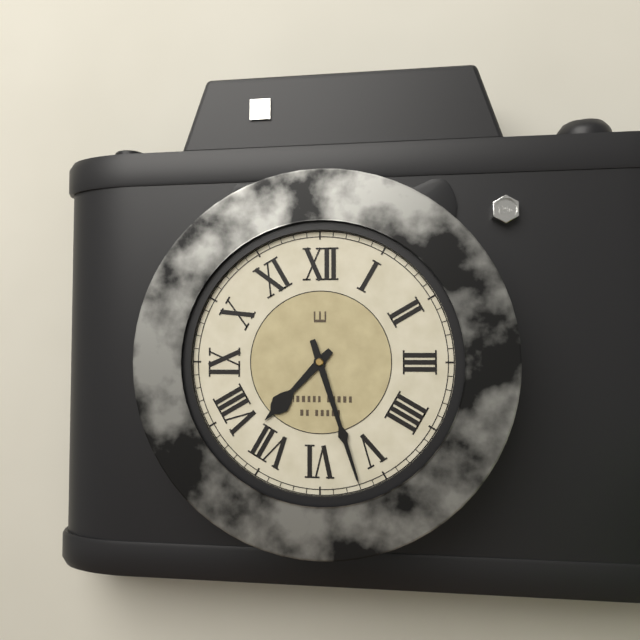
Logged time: 7 h 27 min
